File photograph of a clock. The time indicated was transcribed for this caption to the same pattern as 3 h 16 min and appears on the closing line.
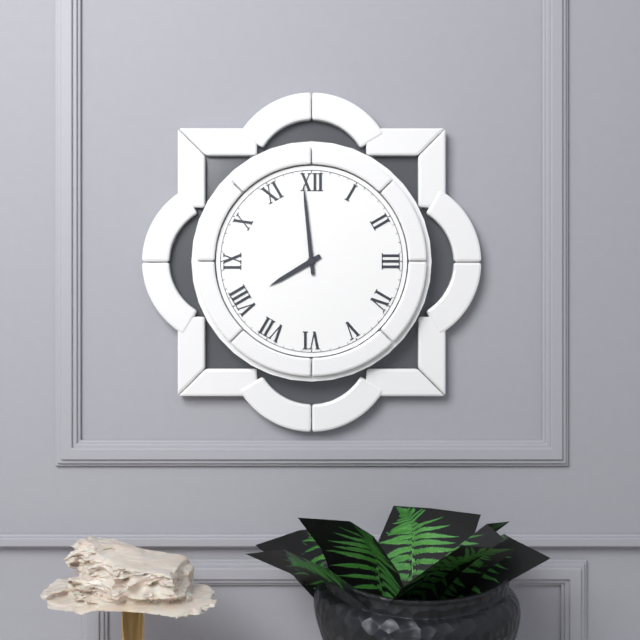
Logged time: 7 h 59 min
